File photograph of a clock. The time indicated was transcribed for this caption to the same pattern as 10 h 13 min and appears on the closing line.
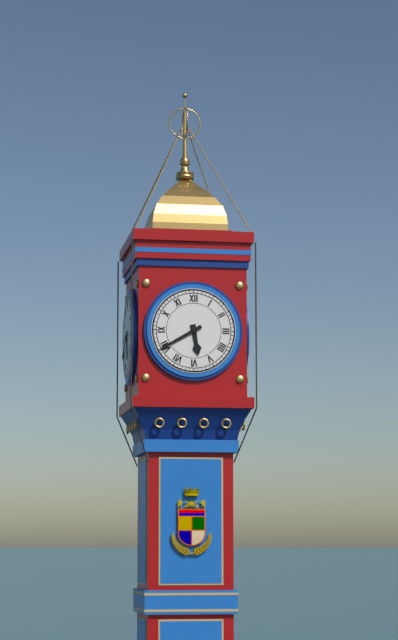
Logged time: 5 h 40 min
